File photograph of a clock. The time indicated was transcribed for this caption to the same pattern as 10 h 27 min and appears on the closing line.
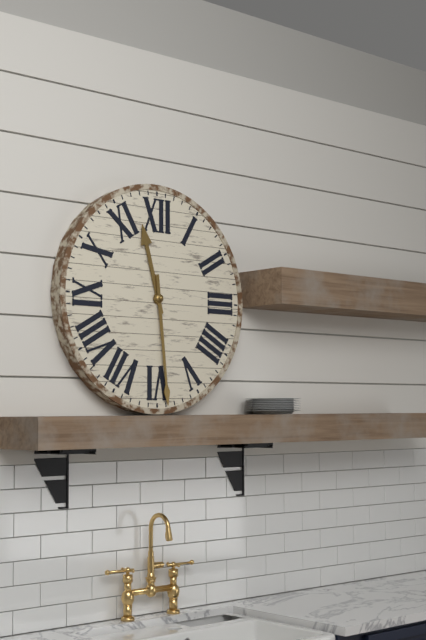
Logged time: 11 h 29 min
